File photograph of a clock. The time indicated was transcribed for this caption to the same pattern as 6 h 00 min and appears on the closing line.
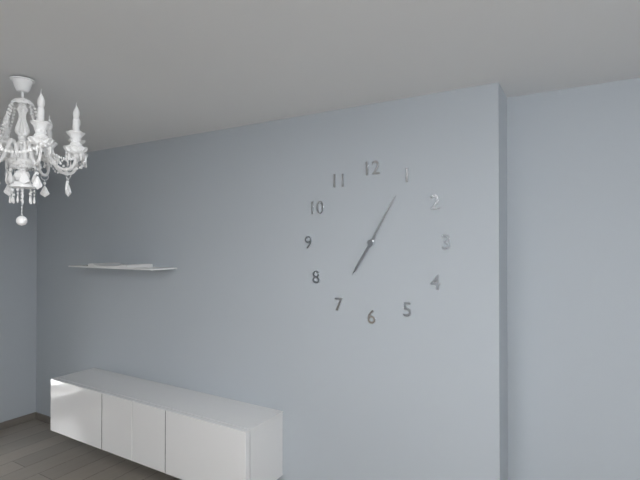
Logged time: 7 h 05 min
